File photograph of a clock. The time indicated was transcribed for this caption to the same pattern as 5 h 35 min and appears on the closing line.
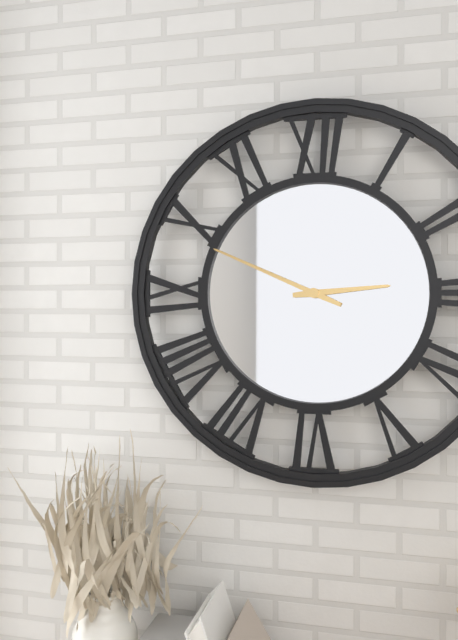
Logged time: 2 h 49 min
